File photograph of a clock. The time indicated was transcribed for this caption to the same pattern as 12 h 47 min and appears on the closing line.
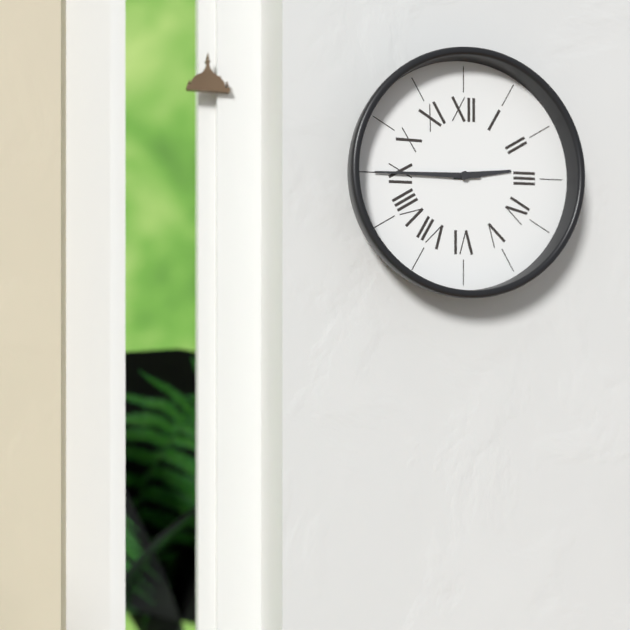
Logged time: 2 h 45 min
